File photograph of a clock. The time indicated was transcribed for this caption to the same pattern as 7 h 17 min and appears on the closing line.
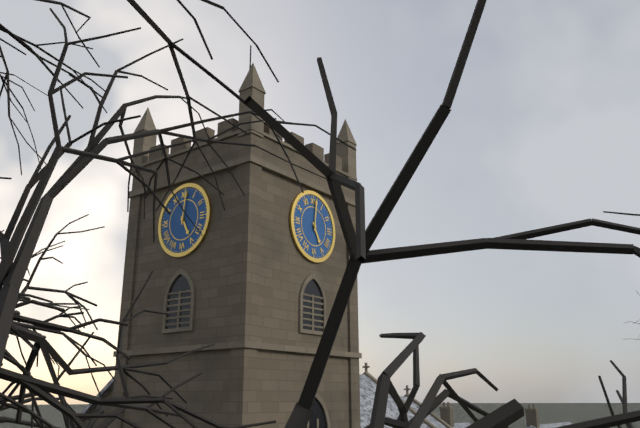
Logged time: 5 h 01 min
